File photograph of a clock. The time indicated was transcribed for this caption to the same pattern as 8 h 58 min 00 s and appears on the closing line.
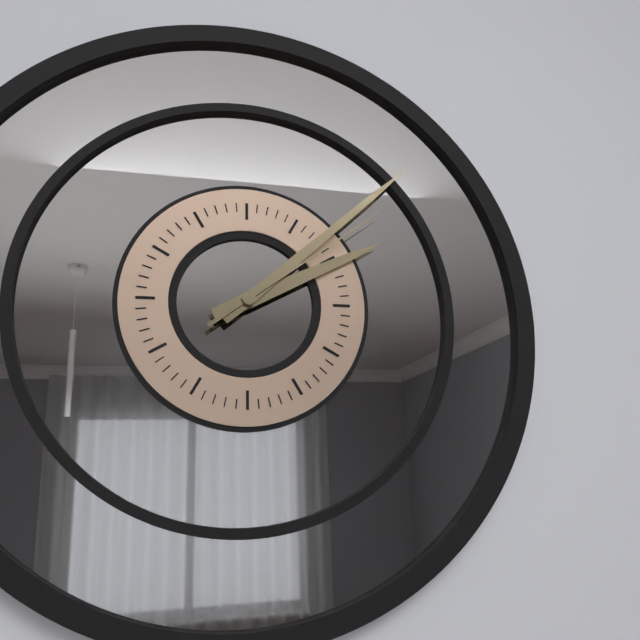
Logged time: 2 h 08 min 09 s
